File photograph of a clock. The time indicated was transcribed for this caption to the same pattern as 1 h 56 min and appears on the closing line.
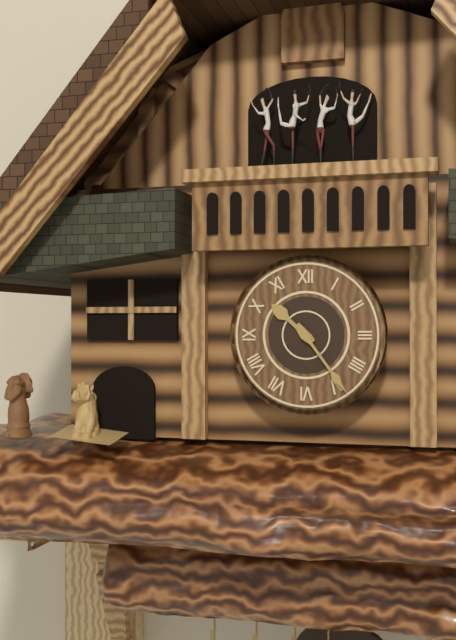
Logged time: 10 h 24 min
